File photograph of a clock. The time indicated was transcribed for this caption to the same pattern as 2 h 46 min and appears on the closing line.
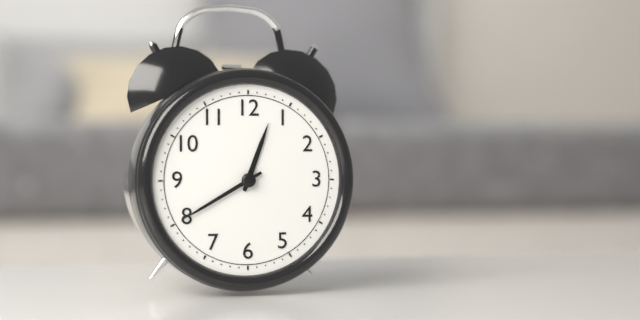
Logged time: 12 h 40 min
